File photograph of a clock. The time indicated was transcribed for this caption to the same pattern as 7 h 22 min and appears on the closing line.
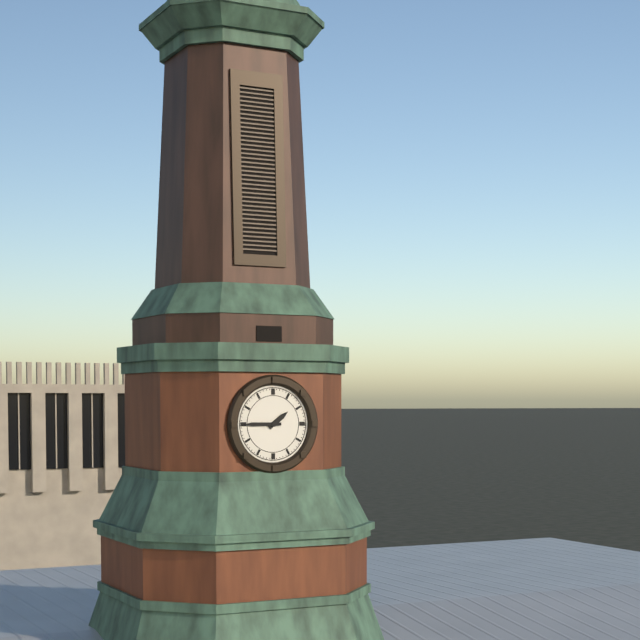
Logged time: 1 h 45 min
